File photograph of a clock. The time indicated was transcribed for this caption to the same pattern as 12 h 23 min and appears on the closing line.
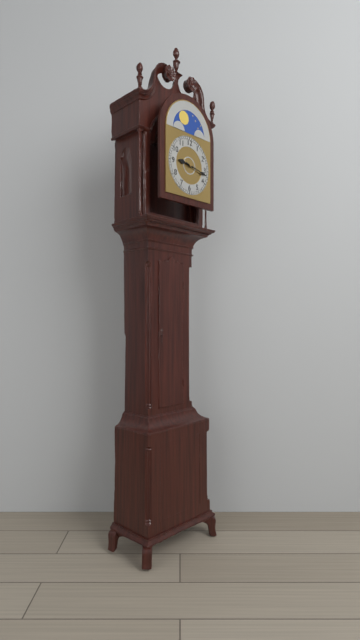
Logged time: 9 h 17 min
